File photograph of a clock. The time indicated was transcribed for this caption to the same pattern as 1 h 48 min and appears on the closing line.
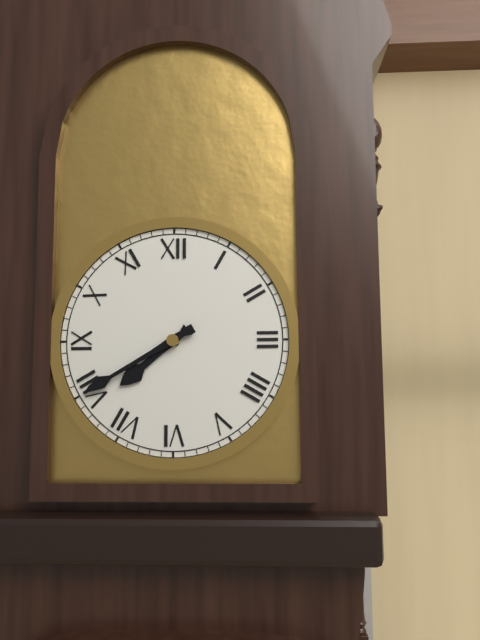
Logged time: 7 h 40 min
